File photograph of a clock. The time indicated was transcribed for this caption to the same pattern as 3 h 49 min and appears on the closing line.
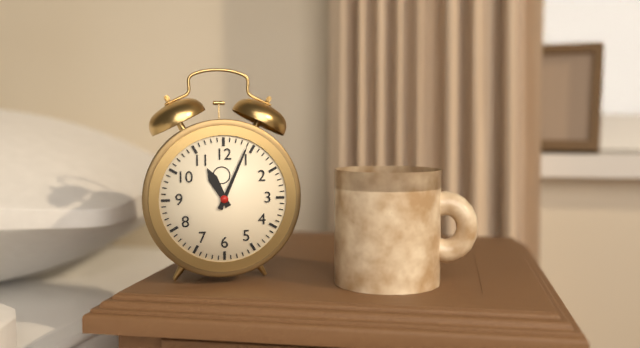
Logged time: 11 h 04 min
